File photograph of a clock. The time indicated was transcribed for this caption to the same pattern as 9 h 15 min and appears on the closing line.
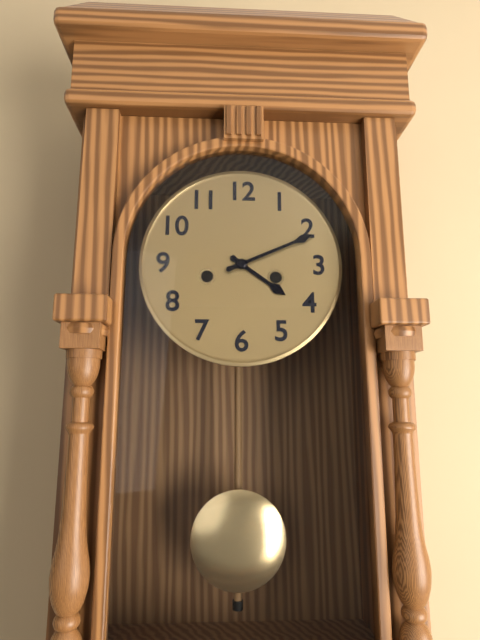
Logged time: 4 h 11 min
